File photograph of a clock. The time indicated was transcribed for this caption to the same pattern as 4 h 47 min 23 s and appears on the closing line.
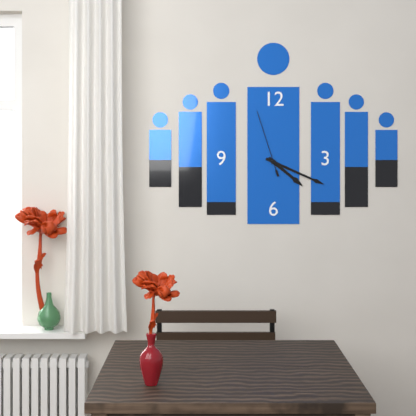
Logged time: 4 h 19 min 57 s
